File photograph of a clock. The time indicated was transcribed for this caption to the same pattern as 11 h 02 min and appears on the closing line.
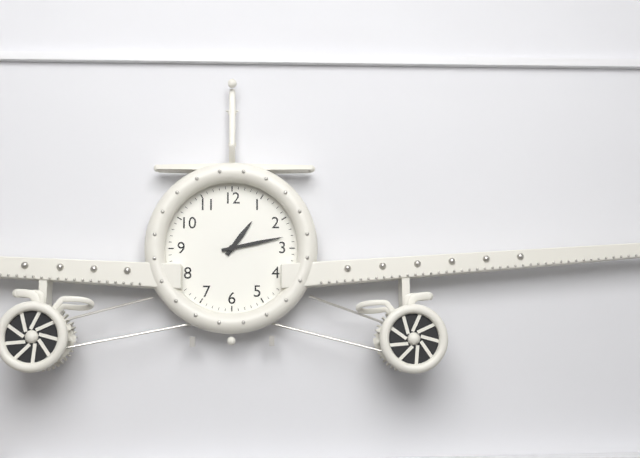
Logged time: 1 h 13 min
